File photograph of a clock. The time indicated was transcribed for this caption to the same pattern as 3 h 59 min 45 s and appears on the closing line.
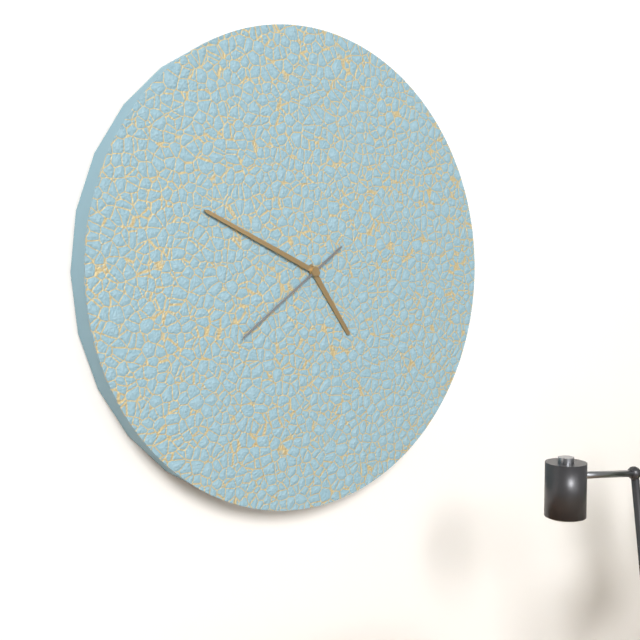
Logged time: 4 h 49 min 39 s
